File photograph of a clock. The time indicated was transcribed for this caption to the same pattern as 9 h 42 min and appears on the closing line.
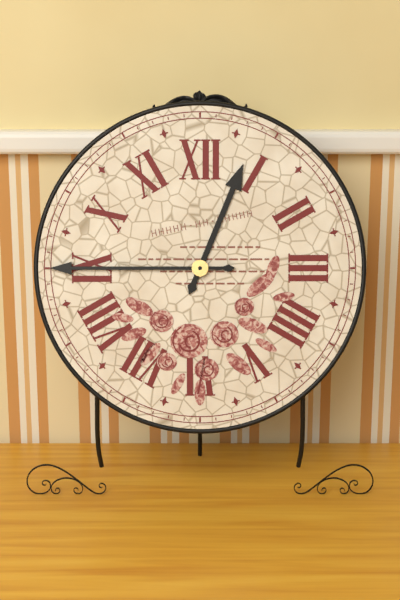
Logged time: 12 h 45 min
